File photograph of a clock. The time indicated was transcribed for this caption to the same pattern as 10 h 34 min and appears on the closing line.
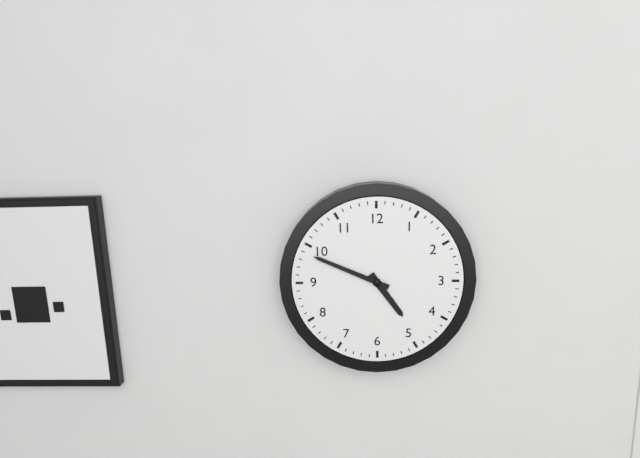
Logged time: 4 h 49 min
